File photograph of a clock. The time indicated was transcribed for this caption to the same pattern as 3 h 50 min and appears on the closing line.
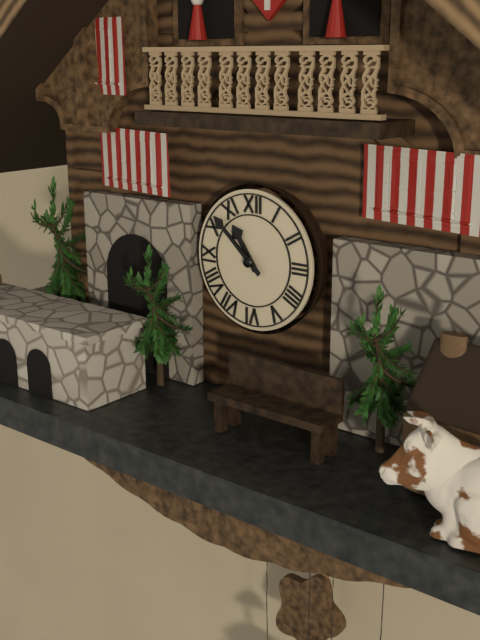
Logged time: 10 h 52 min
